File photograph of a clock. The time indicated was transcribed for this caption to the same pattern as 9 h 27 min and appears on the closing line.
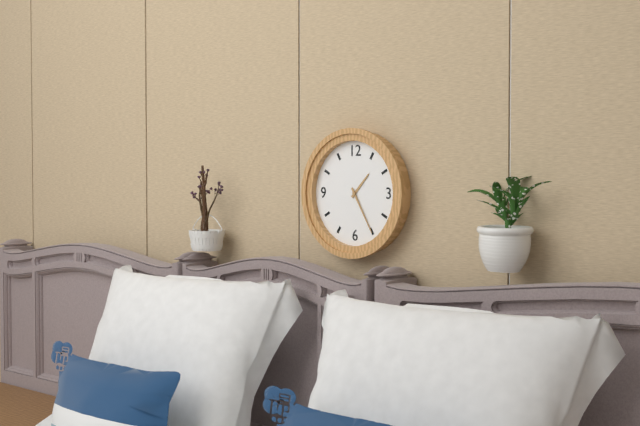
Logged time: 1 h 25 min
